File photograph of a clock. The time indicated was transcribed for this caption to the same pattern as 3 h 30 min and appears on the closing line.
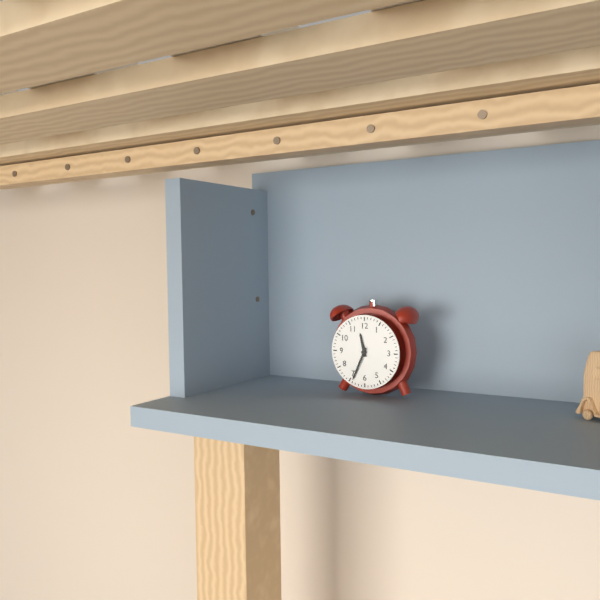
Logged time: 11 h 34 min
